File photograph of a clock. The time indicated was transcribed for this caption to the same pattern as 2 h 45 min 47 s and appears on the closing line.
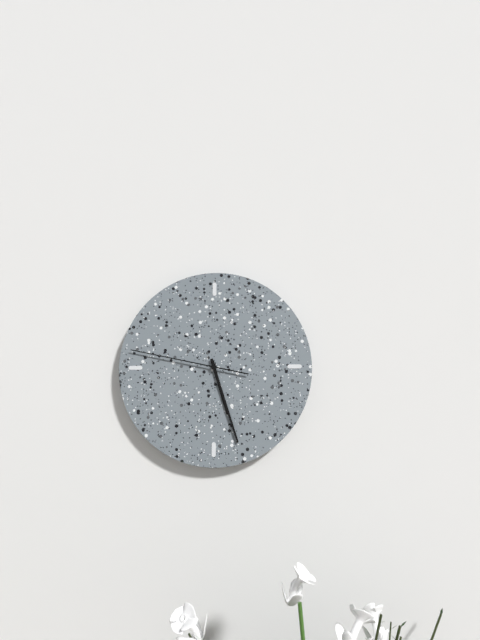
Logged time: 5 h 27 min 47 s
